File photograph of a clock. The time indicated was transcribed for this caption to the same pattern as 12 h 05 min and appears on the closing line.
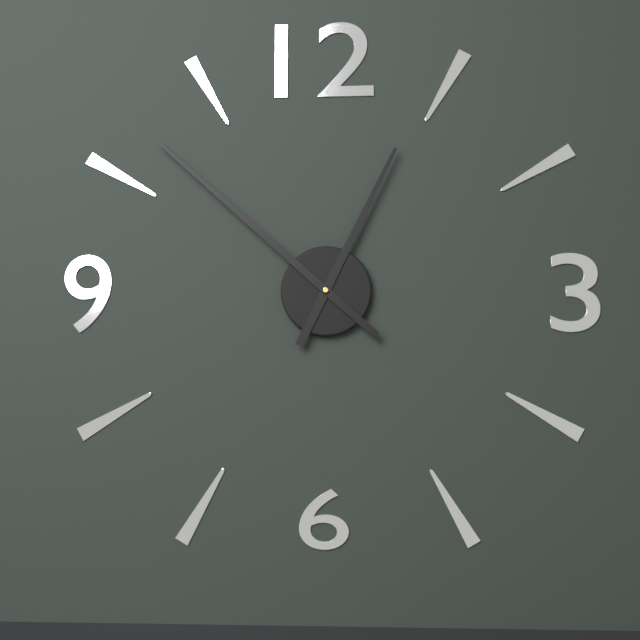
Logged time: 12 h 52 min
